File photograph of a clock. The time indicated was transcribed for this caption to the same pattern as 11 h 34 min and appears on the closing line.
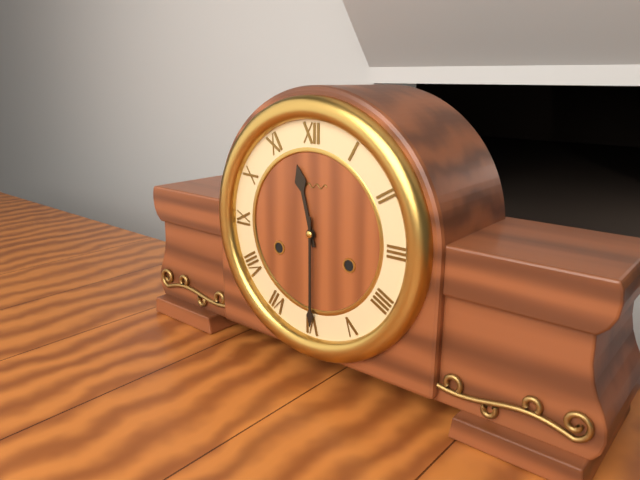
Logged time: 11 h 30 min
